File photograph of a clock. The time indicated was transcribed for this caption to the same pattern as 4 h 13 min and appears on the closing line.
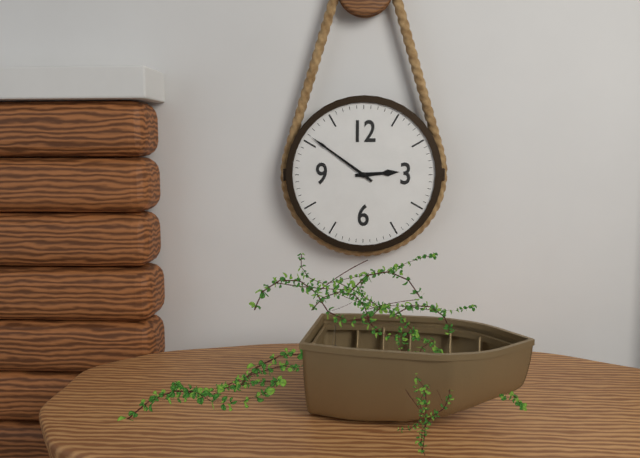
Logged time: 2 h 51 min
